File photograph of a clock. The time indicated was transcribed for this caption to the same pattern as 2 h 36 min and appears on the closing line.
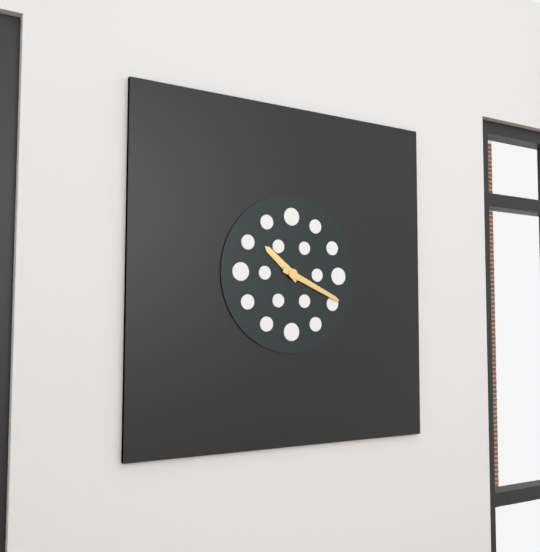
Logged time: 10 h 19 min
